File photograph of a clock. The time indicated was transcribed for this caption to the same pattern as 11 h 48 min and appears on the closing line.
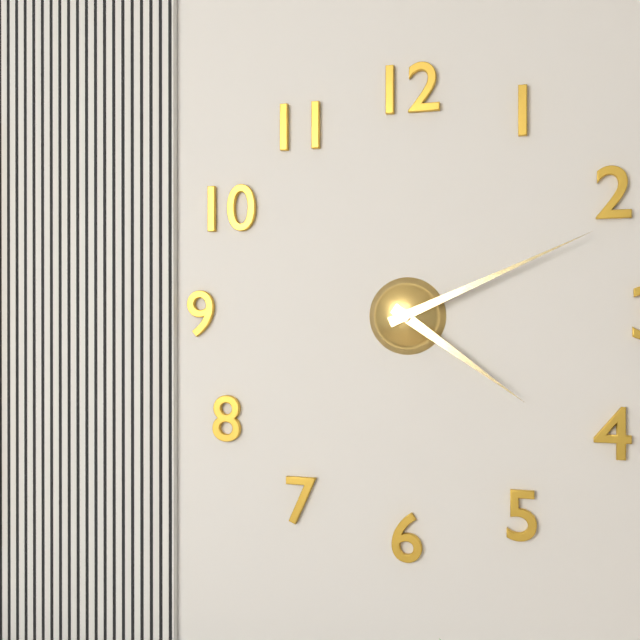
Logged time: 4 h 11 min
